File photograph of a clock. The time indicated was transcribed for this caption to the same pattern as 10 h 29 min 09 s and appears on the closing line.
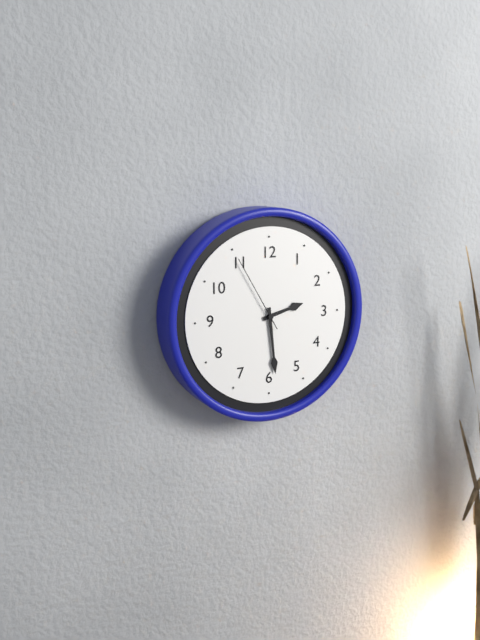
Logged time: 2 h 29 min 55 s
